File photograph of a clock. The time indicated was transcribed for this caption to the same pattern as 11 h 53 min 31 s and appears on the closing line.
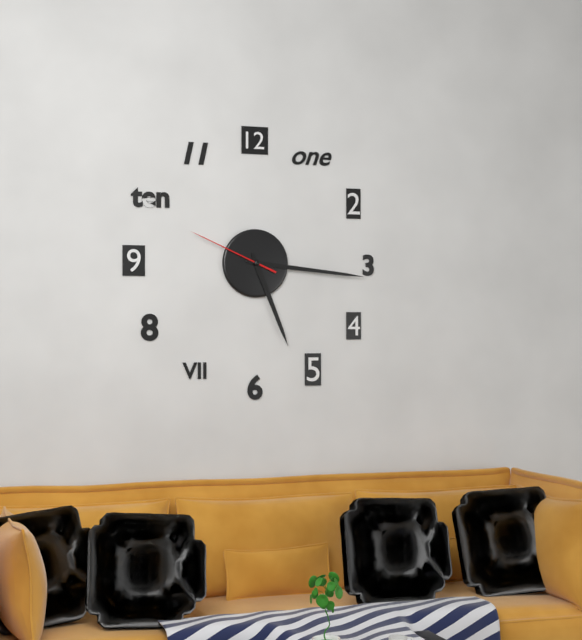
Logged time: 5 h 16 min 49 s
